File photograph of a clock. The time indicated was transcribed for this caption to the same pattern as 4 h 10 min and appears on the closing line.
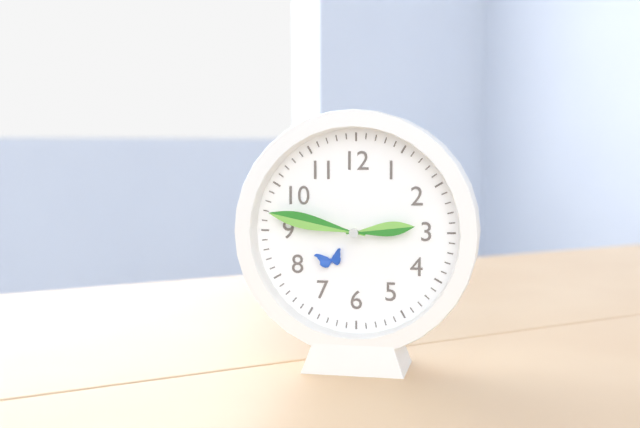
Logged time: 2 h 47 min
